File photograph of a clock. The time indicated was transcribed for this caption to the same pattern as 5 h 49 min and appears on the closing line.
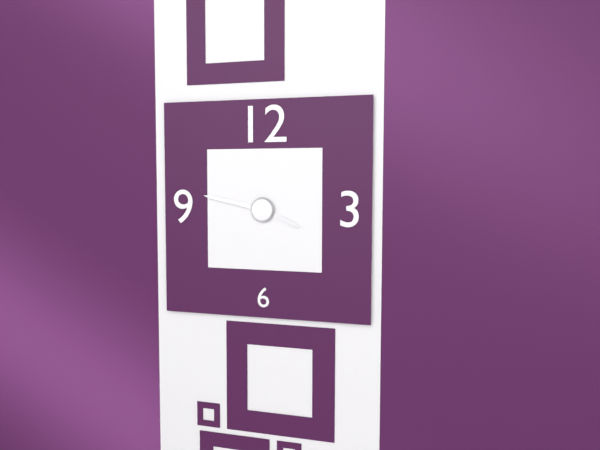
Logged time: 3 h 47 min
